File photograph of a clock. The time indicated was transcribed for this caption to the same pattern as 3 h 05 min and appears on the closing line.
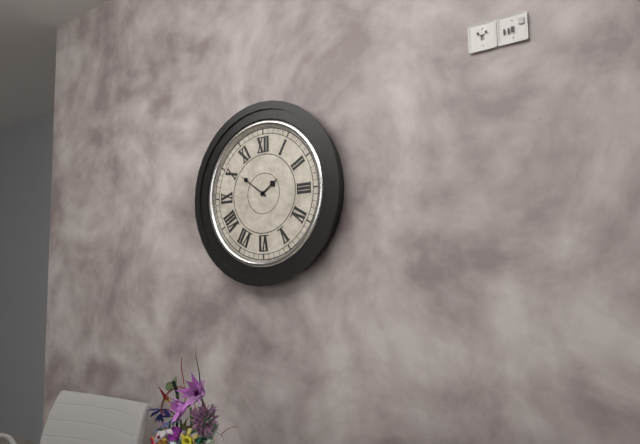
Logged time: 1 h 51 min
